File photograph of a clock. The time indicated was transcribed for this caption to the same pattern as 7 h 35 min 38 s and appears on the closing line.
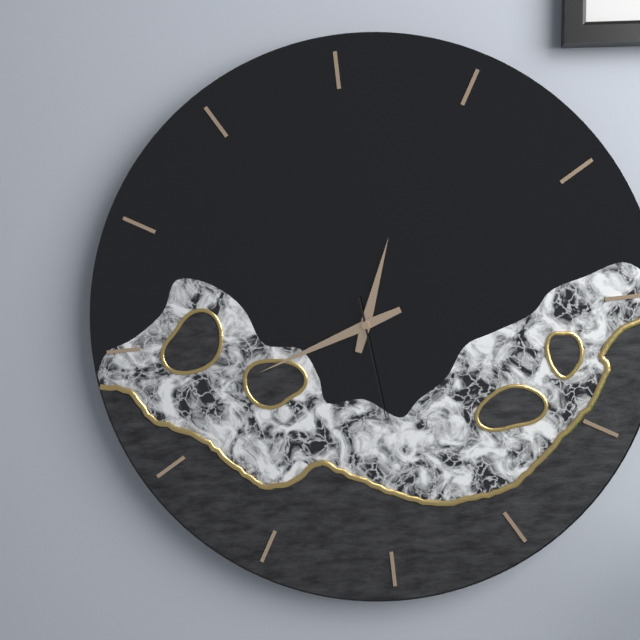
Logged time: 12 h 42 min 29 s
